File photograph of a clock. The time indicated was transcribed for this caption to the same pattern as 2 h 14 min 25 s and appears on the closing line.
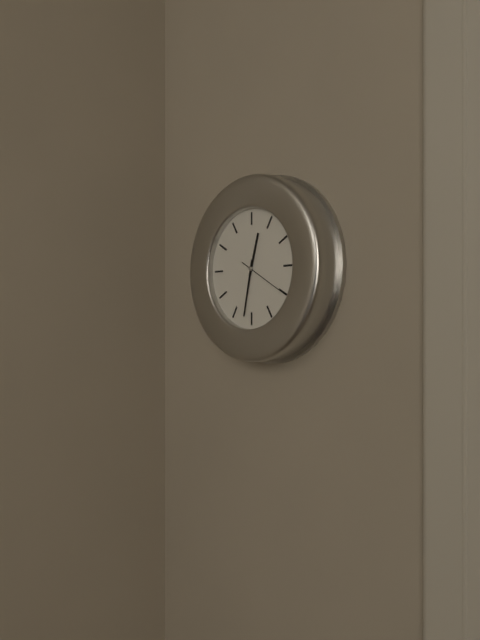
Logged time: 12 h 32 min 20 s
